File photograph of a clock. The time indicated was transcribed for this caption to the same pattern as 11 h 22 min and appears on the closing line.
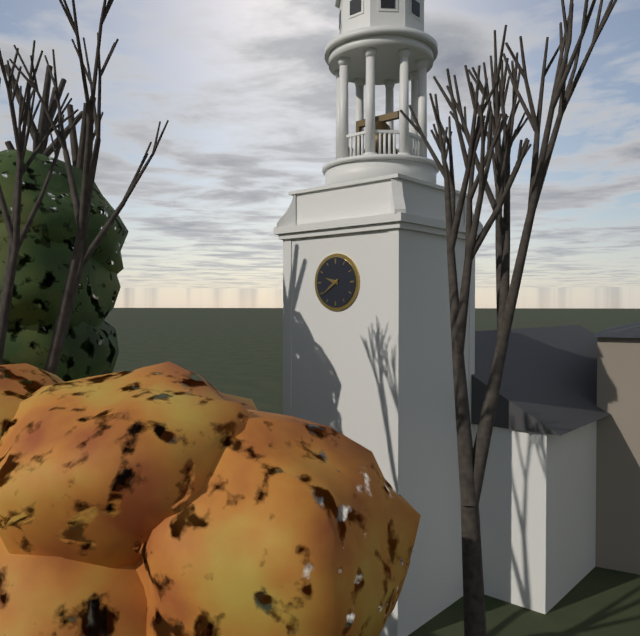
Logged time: 9 h 39 min
